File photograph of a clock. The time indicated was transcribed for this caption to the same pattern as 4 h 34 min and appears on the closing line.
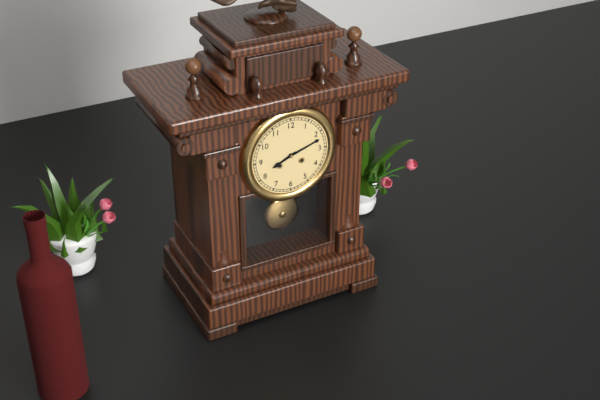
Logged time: 8 h 12 min
